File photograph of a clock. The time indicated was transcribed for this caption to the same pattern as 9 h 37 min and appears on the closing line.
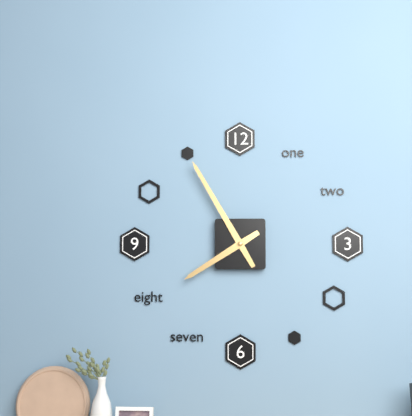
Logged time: 7 h 55 min
